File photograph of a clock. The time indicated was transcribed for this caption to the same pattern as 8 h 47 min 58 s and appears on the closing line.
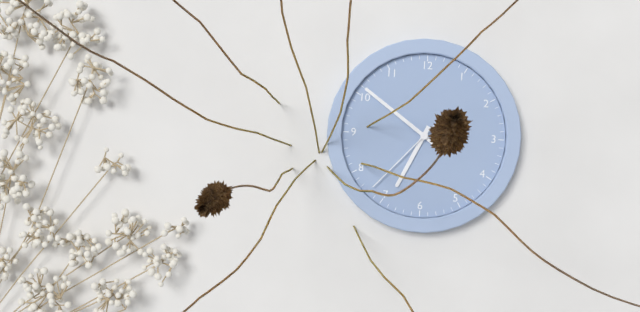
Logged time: 6 h 51 min 37 s
